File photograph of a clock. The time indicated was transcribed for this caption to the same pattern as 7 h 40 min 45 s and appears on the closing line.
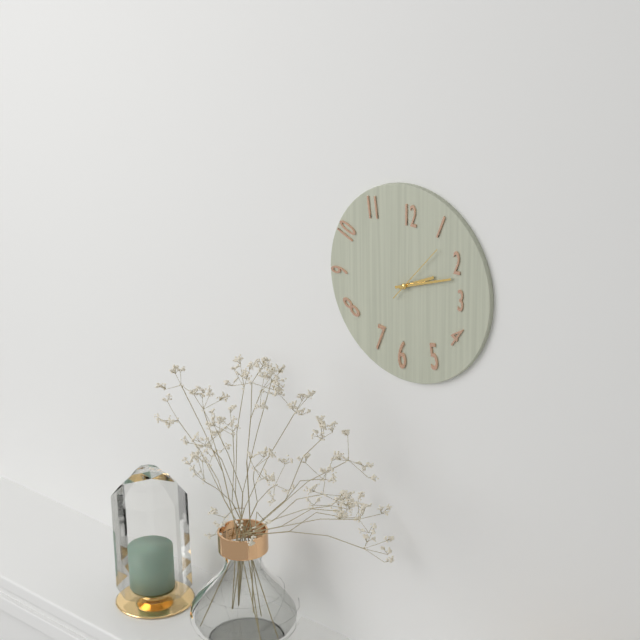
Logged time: 2 h 12 min 07 s
